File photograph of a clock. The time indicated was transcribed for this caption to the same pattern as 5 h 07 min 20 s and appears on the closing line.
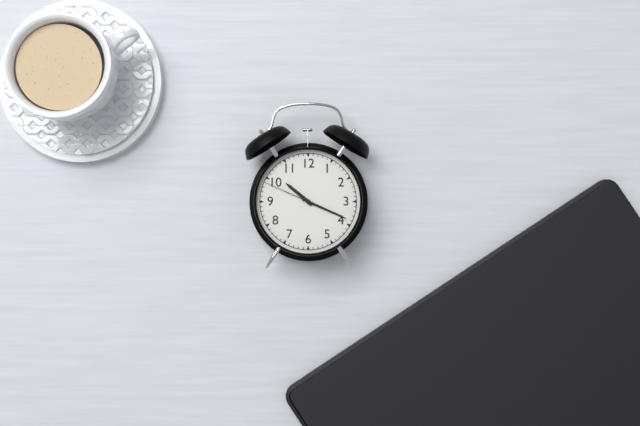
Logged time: 10 h 19 min 49 s
